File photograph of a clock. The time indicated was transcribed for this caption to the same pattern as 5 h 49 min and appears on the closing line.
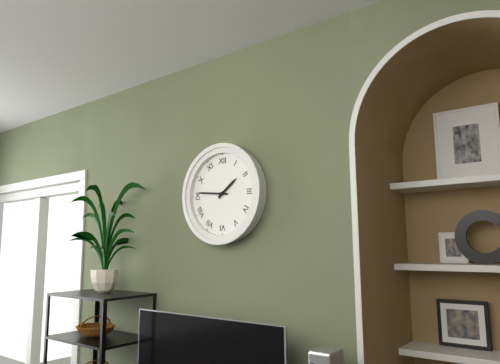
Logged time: 1 h 46 min
